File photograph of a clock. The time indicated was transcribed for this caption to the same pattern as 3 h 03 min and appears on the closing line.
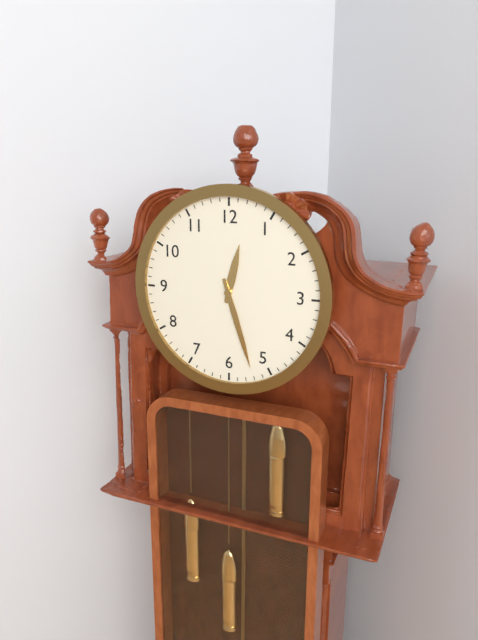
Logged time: 12 h 27 min
